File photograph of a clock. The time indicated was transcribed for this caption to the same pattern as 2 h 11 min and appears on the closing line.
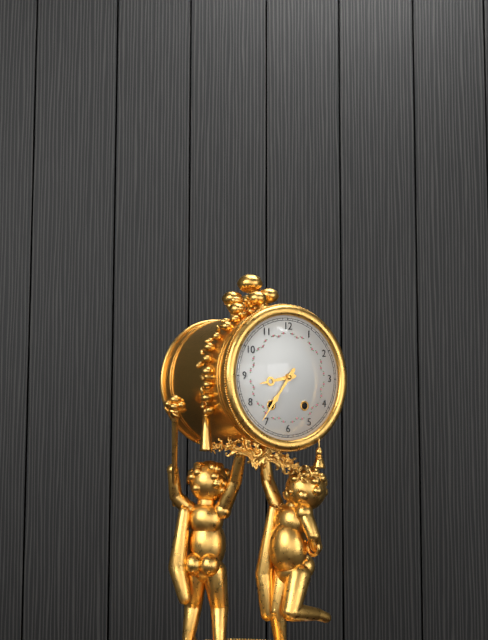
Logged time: 8 h 36 min
